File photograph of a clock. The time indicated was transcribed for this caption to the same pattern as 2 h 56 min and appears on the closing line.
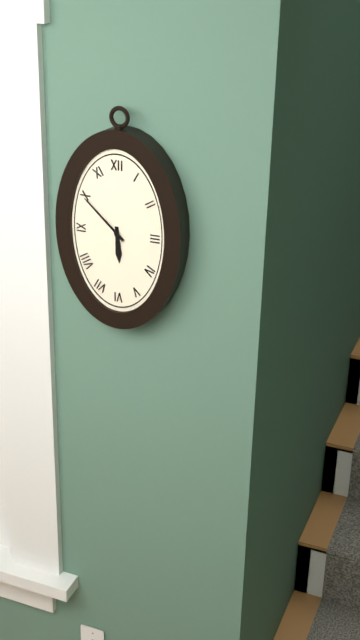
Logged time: 5 h 52 min
